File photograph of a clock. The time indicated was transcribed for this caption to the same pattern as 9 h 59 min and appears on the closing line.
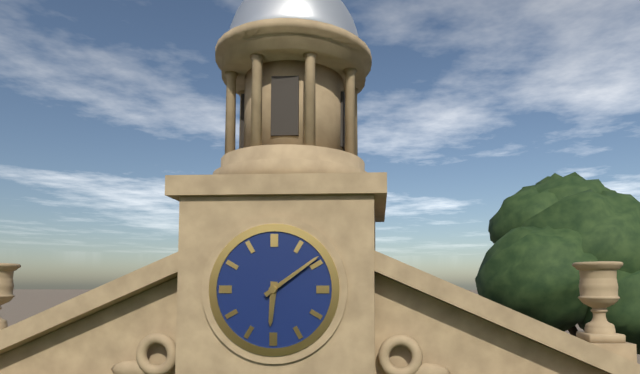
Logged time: 6 h 09 min
